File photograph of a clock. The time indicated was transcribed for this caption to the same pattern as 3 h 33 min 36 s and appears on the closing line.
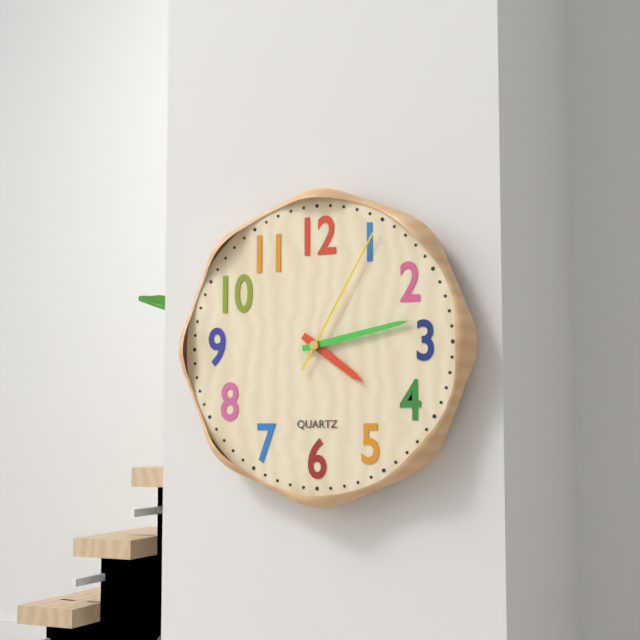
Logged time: 4 h 13 min 05 s
